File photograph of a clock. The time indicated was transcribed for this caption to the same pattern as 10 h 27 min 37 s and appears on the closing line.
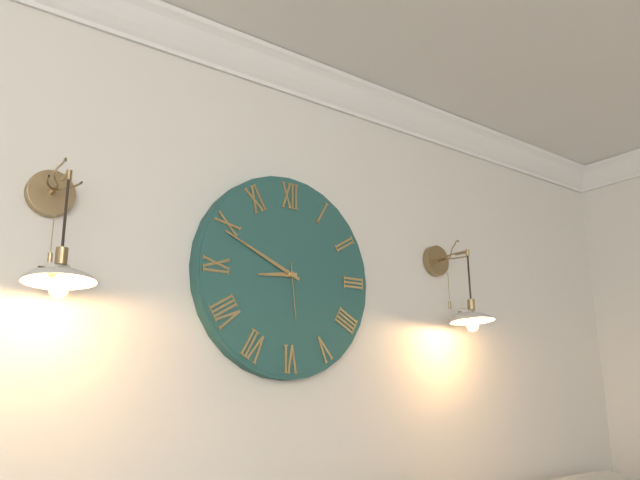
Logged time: 8 h 49 min 29 s
